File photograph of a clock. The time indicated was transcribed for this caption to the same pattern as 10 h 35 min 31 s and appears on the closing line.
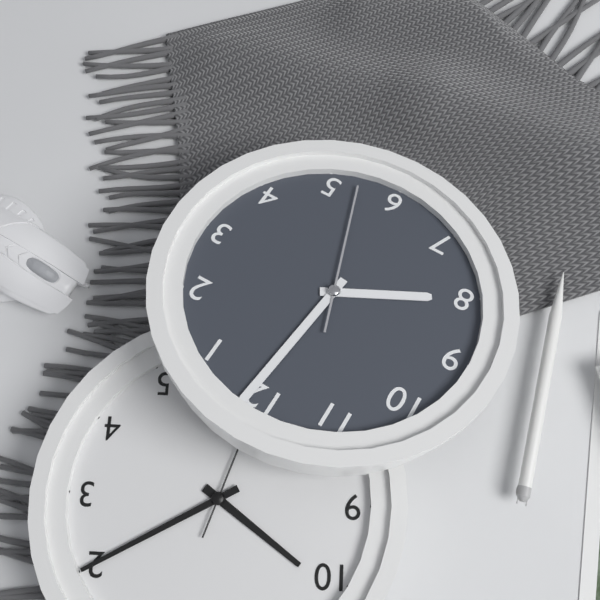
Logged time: 8 h 01 min 27 s
